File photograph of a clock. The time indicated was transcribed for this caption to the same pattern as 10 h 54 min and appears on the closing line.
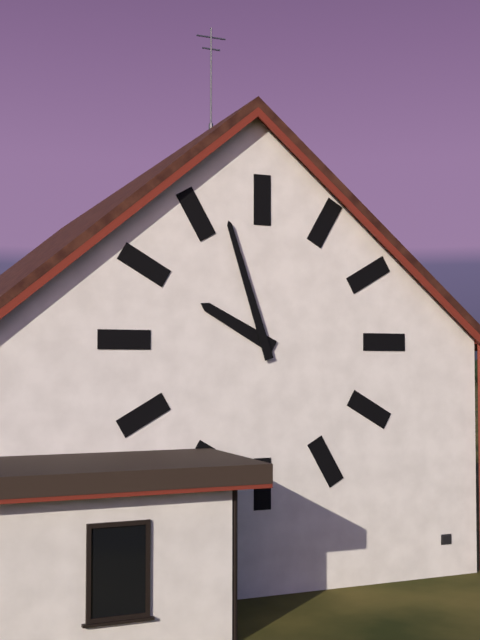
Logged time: 9 h 57 min
